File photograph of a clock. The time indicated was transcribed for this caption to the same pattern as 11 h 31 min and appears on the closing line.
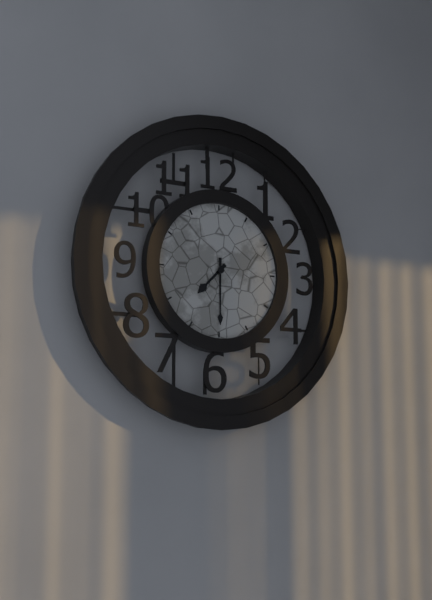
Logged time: 7 h 30 min
